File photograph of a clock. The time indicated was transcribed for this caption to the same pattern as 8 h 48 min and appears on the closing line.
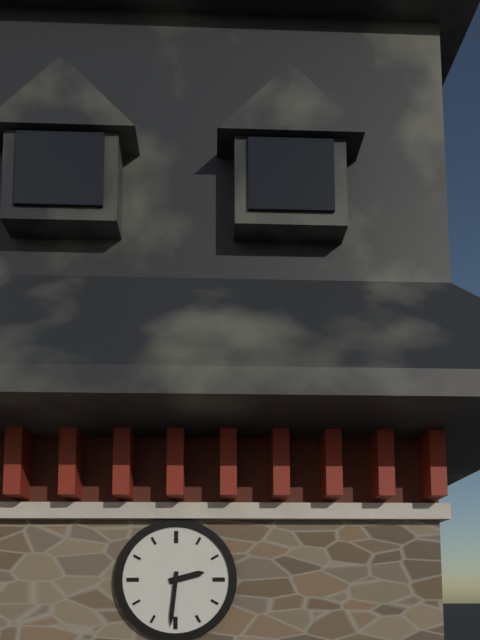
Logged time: 2 h 31 min
